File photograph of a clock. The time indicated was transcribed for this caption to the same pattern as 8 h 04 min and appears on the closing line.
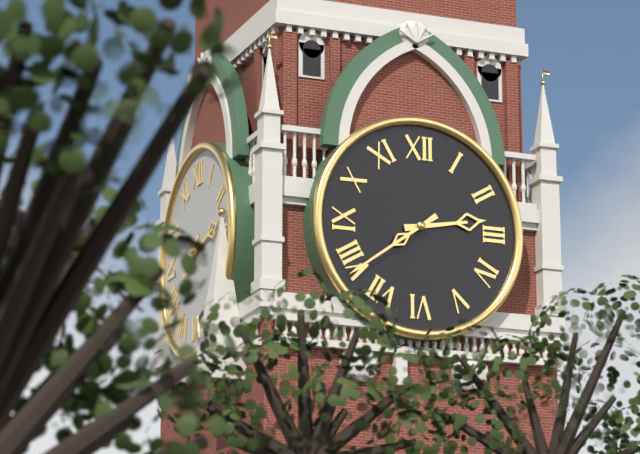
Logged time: 2 h 39 min
